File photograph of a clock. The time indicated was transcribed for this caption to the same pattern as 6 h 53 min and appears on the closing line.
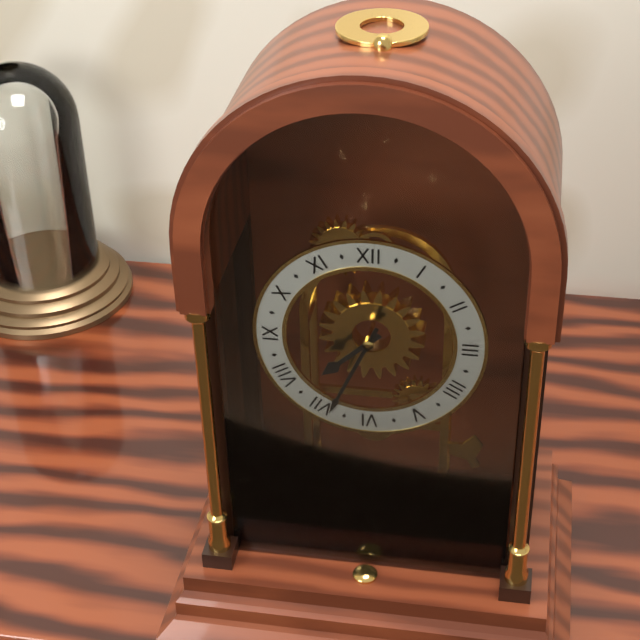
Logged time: 7 h 34 min
